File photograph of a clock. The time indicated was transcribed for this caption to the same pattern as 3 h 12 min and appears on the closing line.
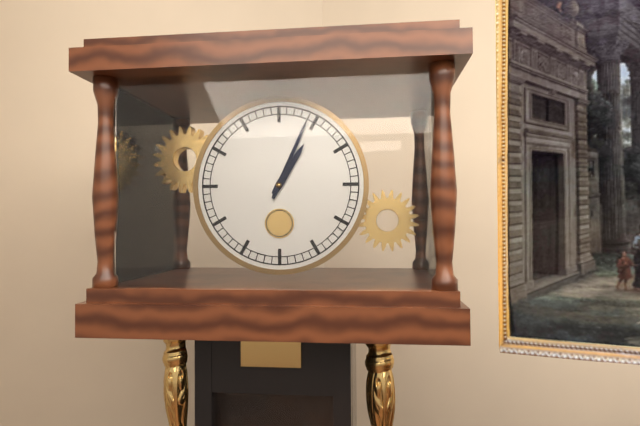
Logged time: 1 h 04 min
